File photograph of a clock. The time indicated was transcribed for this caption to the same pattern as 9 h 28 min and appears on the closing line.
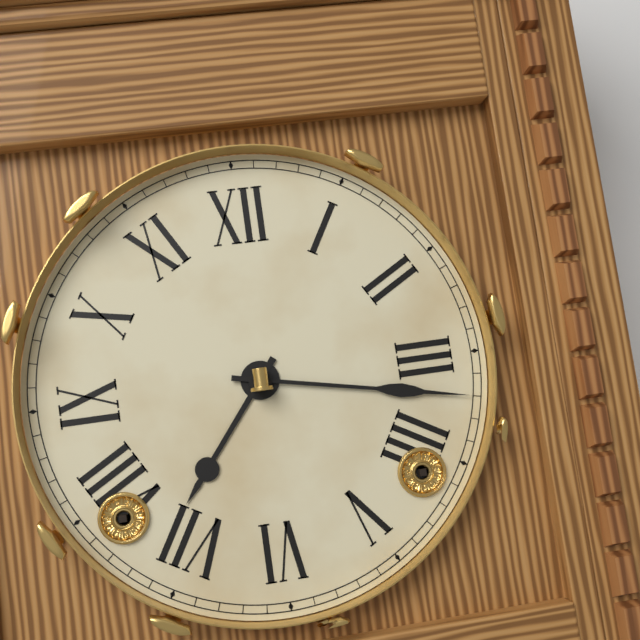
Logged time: 7 h 17 min
